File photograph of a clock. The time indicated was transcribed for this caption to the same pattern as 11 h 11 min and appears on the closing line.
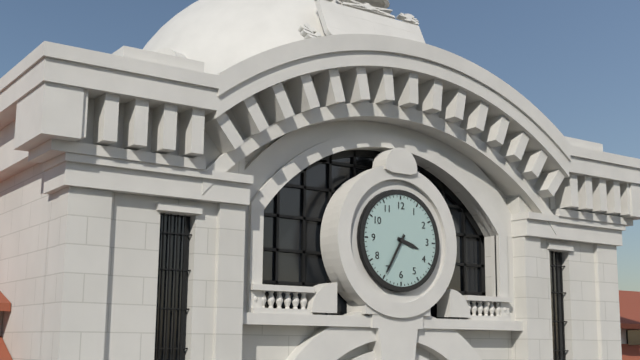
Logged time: 3 h 35 min
